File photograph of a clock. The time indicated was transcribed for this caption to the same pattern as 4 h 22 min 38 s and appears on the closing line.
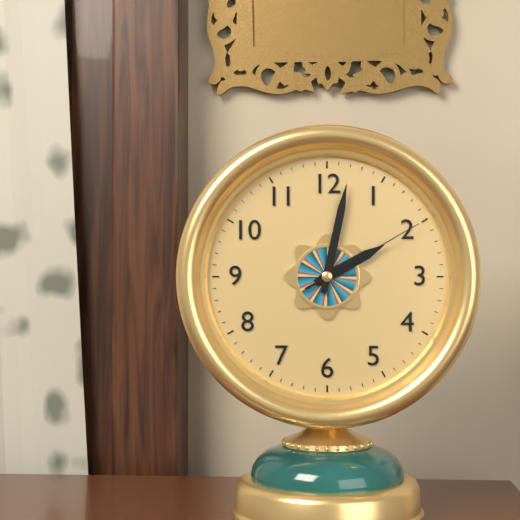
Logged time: 2 h 02 min 10 s
